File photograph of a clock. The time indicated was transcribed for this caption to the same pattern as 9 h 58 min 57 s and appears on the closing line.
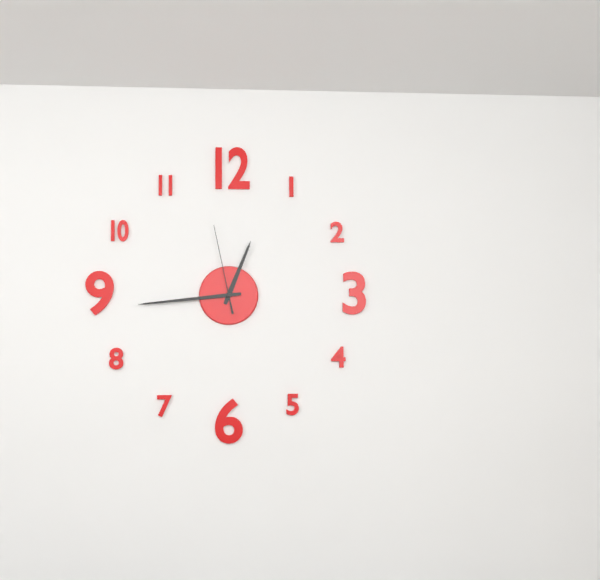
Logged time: 12 h 44 min 58 s
